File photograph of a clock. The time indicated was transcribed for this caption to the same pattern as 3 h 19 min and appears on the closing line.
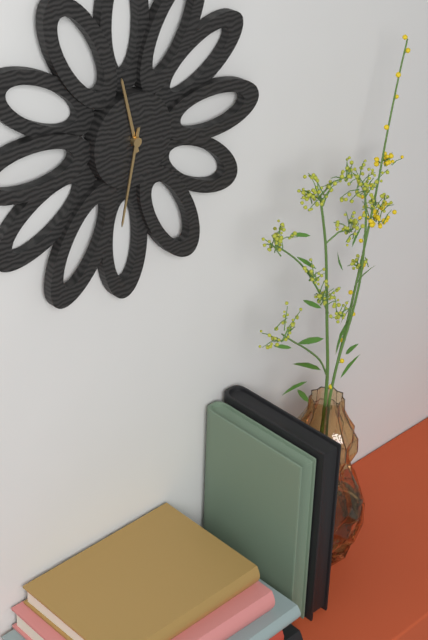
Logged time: 11 h 32 min
